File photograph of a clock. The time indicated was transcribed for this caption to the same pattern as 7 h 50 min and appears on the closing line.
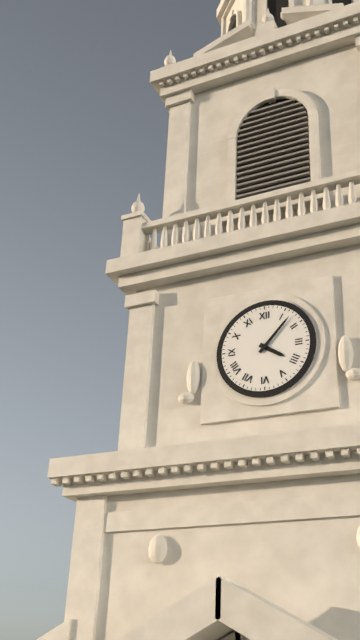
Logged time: 4 h 07 min
